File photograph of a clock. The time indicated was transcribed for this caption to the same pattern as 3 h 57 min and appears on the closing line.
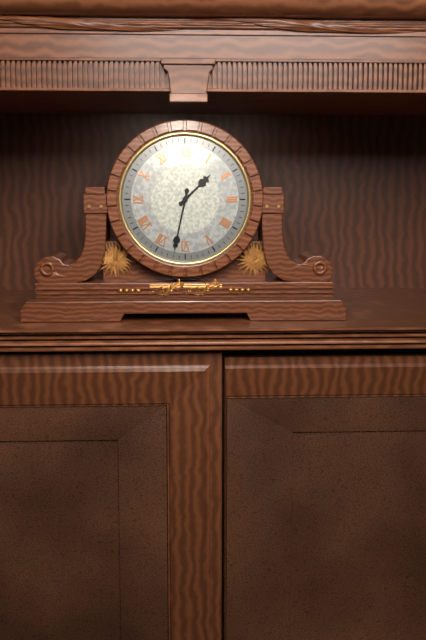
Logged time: 1 h 32 min
